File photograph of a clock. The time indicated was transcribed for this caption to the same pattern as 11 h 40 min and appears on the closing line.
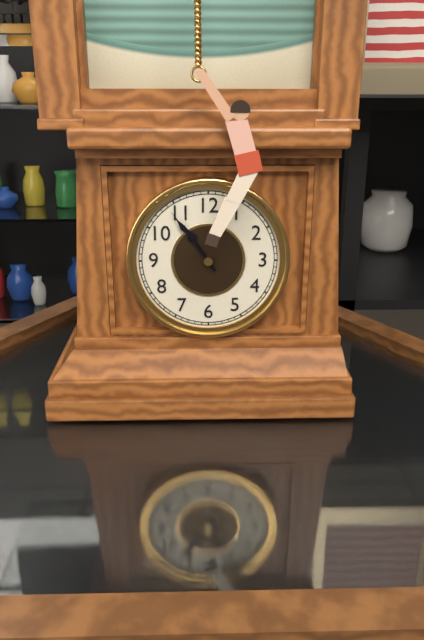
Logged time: 10 h 54 min
